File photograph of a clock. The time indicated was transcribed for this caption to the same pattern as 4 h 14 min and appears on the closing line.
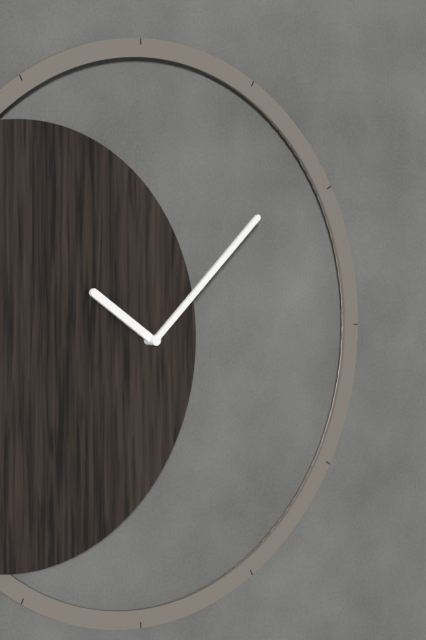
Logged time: 10 h 08 min
